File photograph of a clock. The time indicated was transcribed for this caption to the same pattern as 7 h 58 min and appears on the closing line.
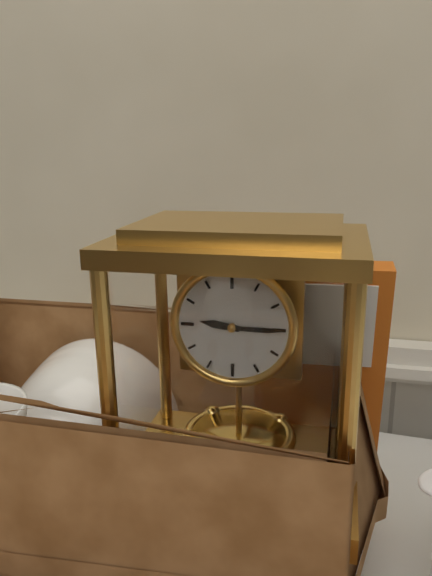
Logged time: 9 h 15 min
